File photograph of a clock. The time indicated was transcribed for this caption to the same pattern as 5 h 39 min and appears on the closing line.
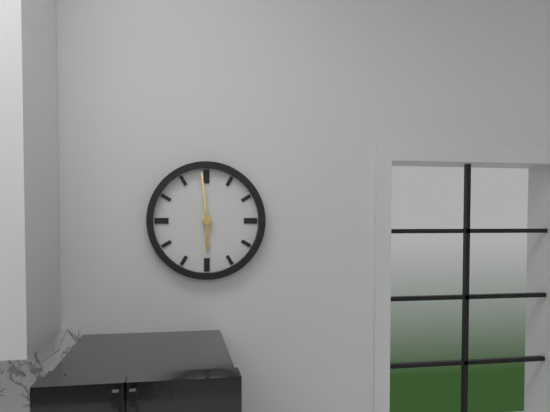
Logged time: 5 h 59 min
